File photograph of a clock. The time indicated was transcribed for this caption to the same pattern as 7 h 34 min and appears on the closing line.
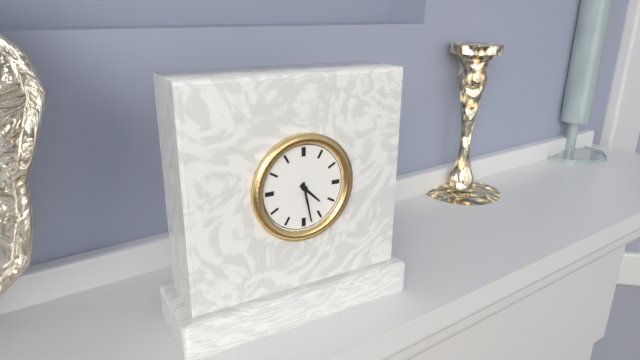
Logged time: 4 h 28 min
